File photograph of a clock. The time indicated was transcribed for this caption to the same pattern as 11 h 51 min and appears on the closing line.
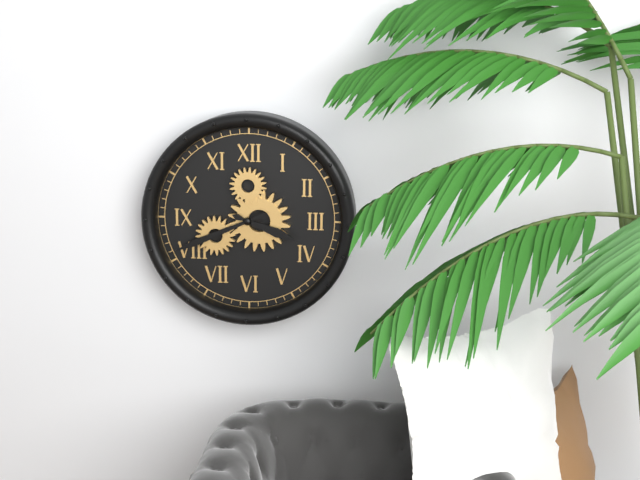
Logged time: 3 h 41 min
